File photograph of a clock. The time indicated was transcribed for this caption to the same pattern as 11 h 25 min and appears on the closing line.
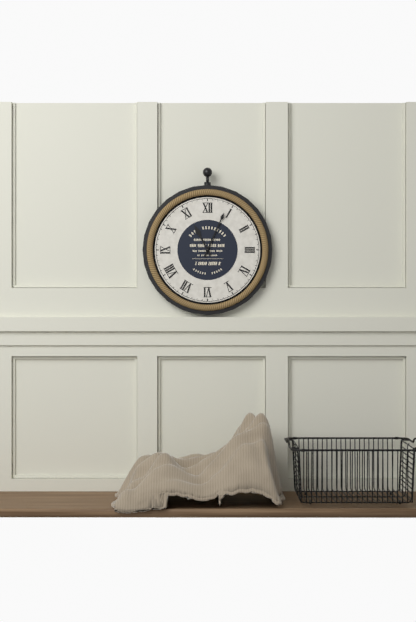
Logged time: 11 h 04 min
